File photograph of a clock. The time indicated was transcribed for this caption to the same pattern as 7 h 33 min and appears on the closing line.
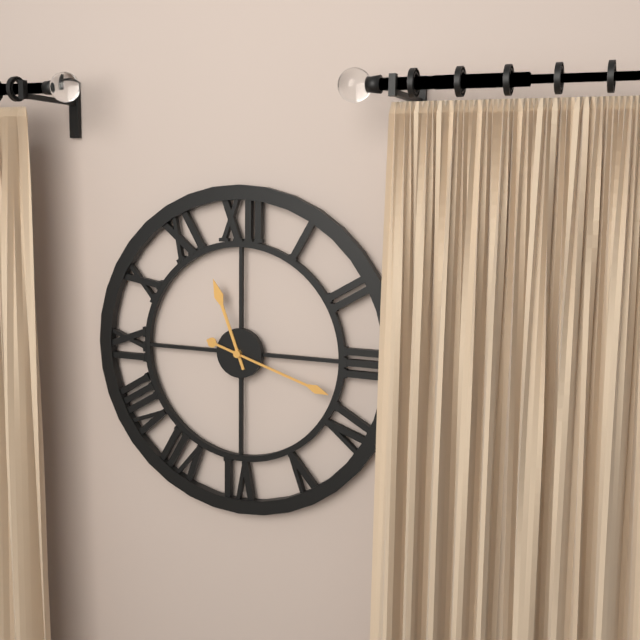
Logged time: 11 h 18 min
